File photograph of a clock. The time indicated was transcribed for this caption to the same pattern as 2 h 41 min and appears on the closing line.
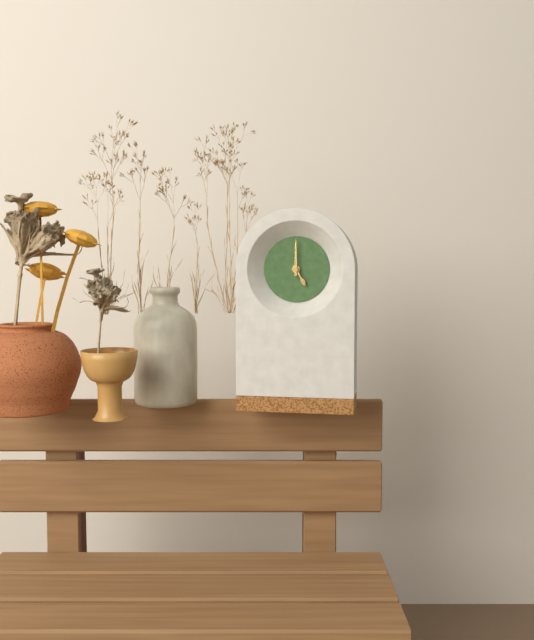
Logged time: 5 h 00 min
